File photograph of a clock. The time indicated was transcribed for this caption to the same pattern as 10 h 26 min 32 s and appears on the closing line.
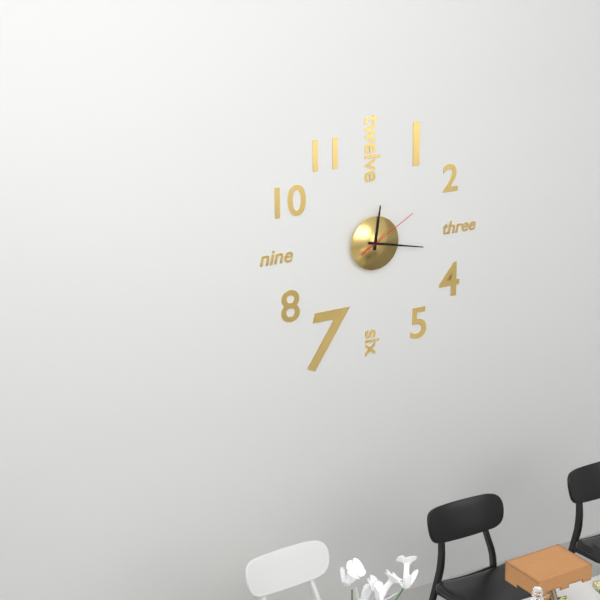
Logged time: 12 h 17 min 10 s
